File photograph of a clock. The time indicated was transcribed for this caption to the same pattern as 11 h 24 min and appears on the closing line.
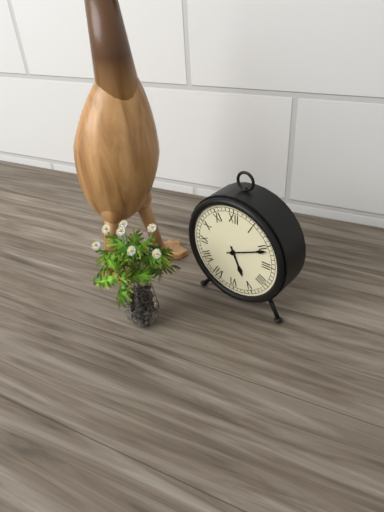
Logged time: 5 h 11 min
